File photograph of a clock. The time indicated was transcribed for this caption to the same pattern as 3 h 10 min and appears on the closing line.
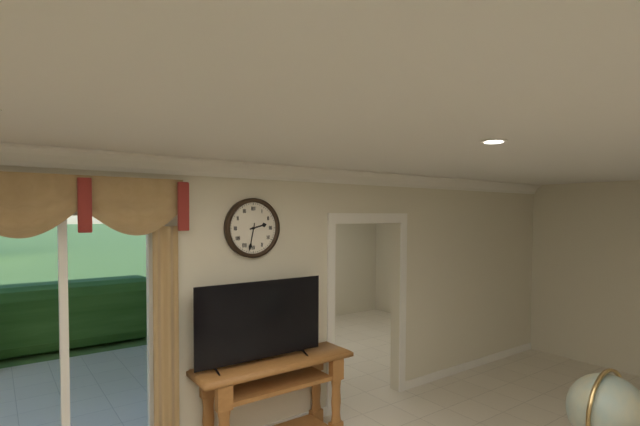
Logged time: 2 h 32 min
